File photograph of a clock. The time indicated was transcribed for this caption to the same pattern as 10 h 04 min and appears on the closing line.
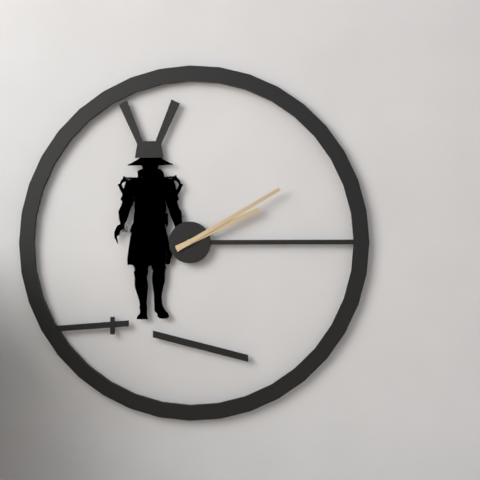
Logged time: 2 h 10 min
